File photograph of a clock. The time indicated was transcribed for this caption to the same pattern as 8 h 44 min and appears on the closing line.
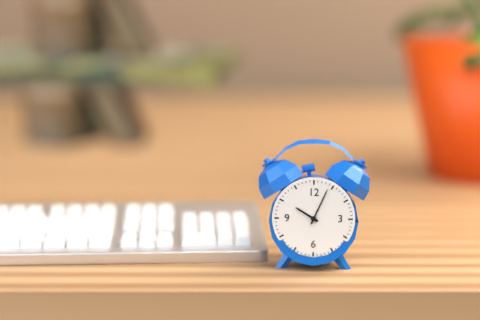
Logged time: 10 h 04 min
